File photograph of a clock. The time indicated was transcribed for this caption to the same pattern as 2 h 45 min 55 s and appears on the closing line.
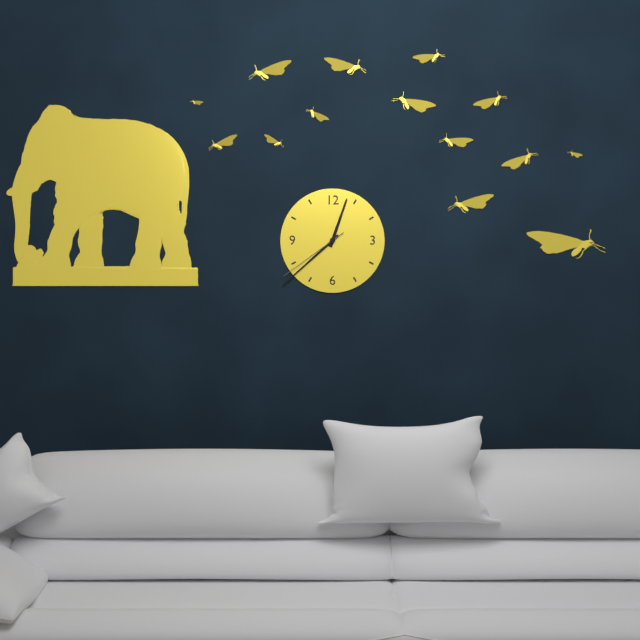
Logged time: 12 h 38 min 39 s
